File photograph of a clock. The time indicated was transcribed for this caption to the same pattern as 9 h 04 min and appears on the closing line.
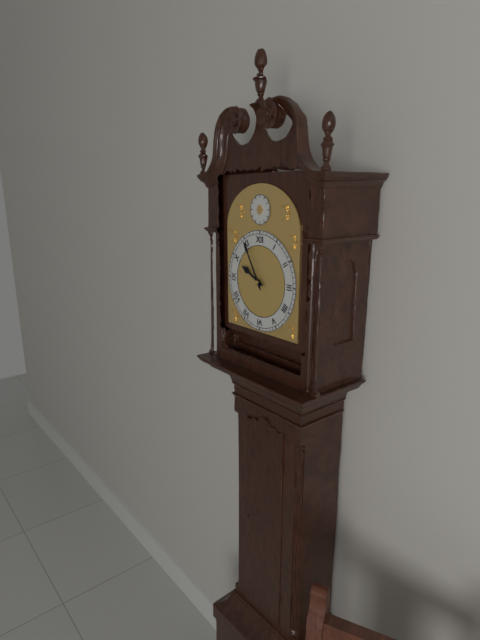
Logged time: 9 h 55 min
